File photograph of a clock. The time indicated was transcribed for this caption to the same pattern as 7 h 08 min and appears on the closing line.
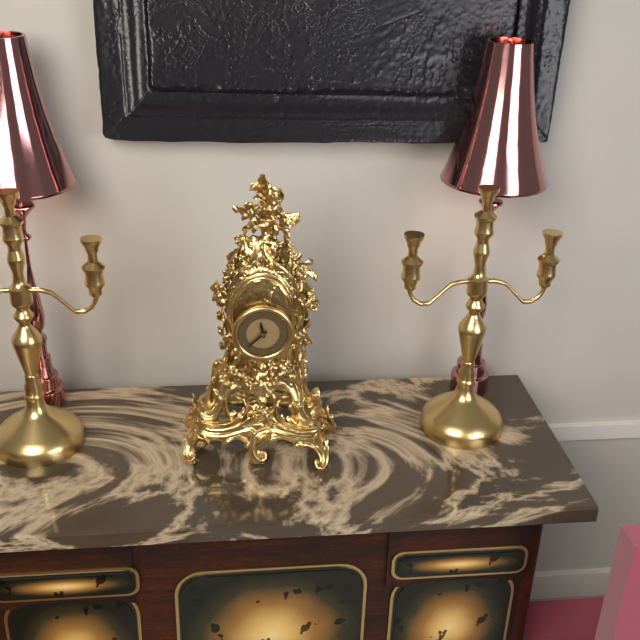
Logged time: 11 h 38 min
